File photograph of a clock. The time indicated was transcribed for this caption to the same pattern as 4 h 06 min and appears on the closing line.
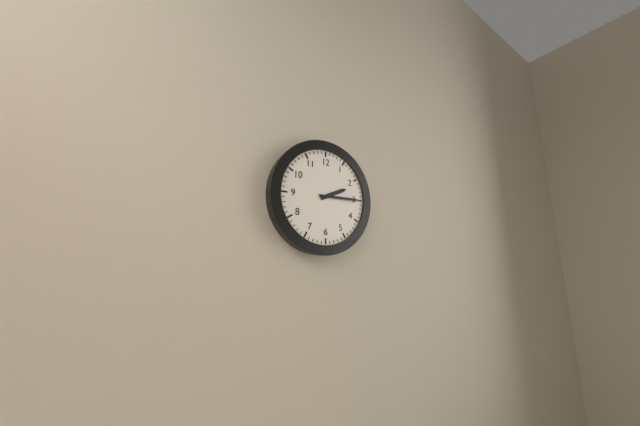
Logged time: 2 h 15 min
